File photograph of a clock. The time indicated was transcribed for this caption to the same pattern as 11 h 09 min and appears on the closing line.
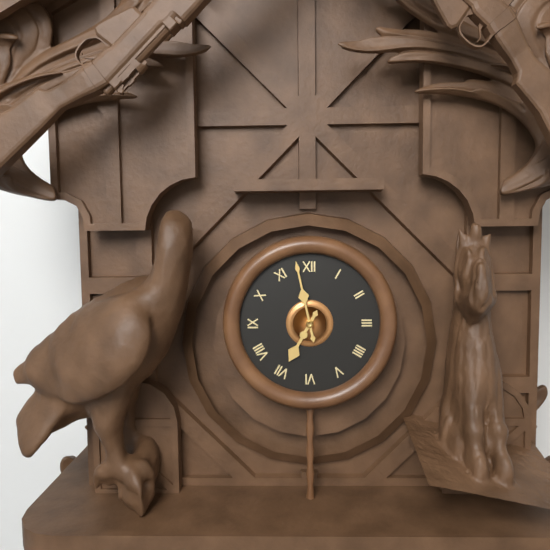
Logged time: 6 h 58 min
